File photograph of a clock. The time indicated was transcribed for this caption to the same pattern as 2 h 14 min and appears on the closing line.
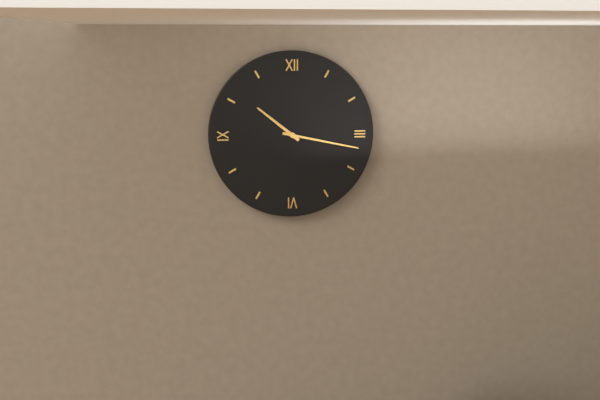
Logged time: 10 h 17 min
